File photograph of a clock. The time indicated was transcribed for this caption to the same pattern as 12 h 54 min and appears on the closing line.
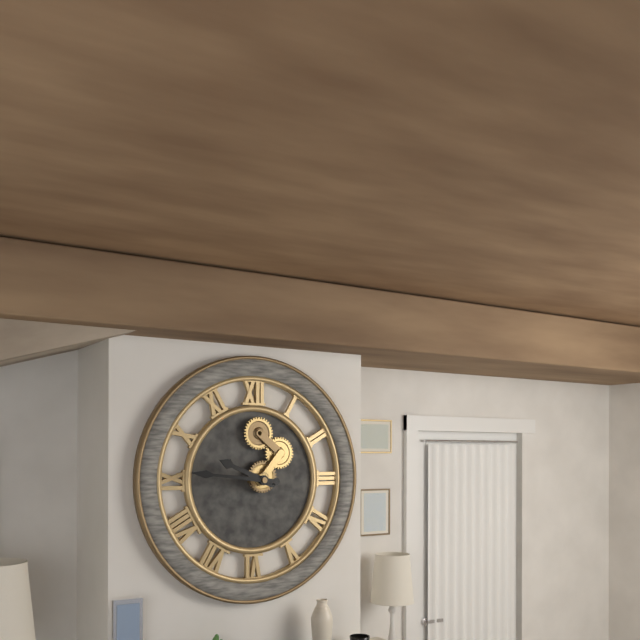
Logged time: 9 h 46 min
